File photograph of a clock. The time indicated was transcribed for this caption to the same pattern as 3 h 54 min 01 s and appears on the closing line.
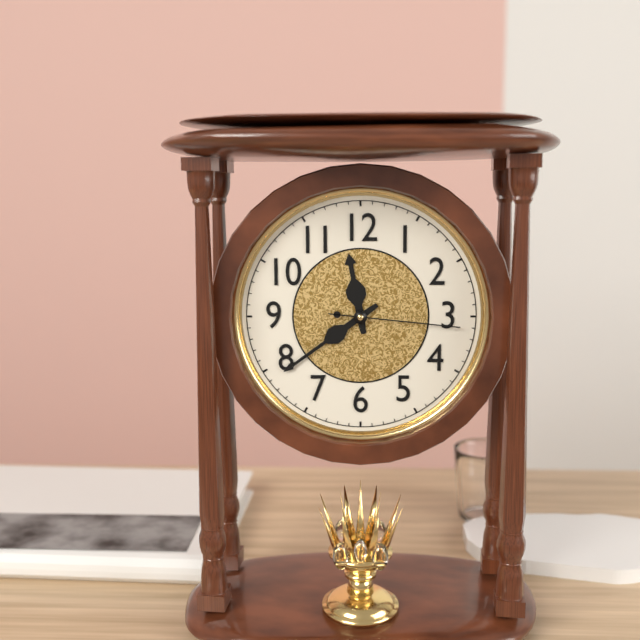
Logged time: 11 h 39 min 16 s
